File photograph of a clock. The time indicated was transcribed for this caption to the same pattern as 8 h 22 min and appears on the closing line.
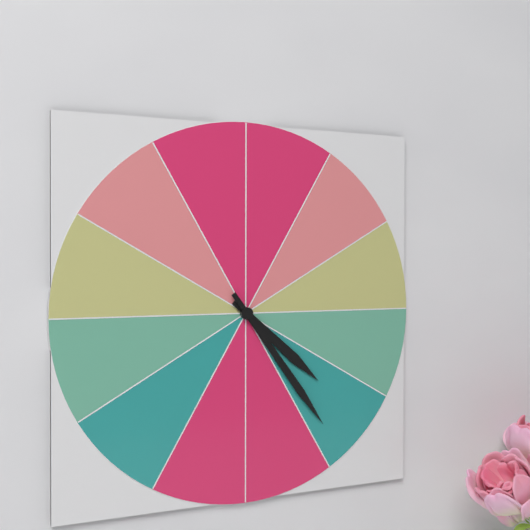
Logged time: 4 h 24 min
